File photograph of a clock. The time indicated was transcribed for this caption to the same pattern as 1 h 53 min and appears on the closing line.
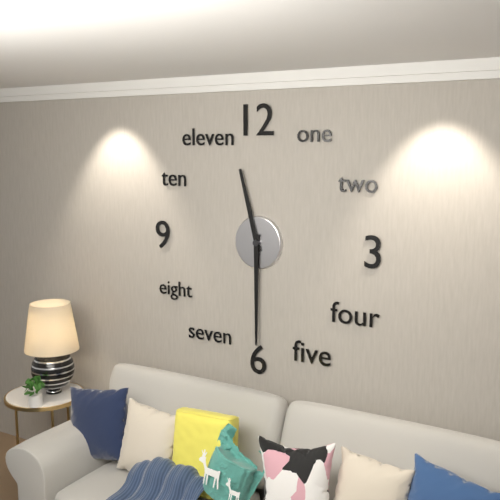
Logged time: 11 h 30 min
